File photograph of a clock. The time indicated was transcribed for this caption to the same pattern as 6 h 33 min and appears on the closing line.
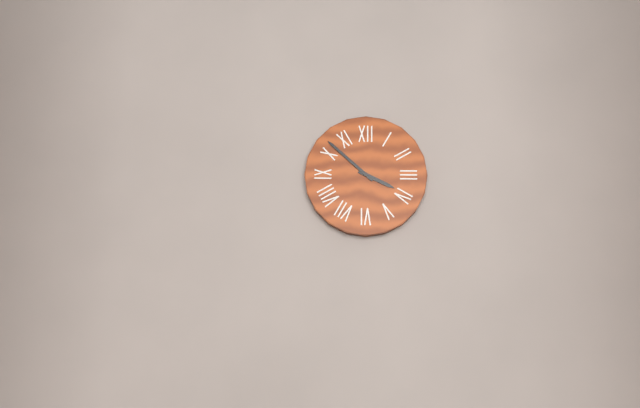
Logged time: 3 h 52 min
